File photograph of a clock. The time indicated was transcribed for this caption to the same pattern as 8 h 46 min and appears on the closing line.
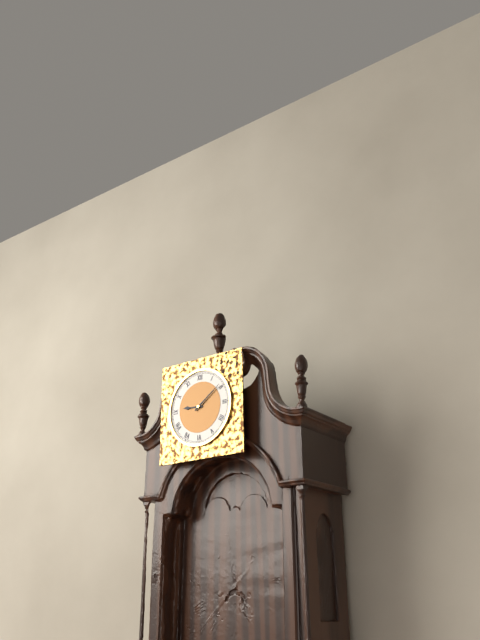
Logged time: 9 h 09 min
